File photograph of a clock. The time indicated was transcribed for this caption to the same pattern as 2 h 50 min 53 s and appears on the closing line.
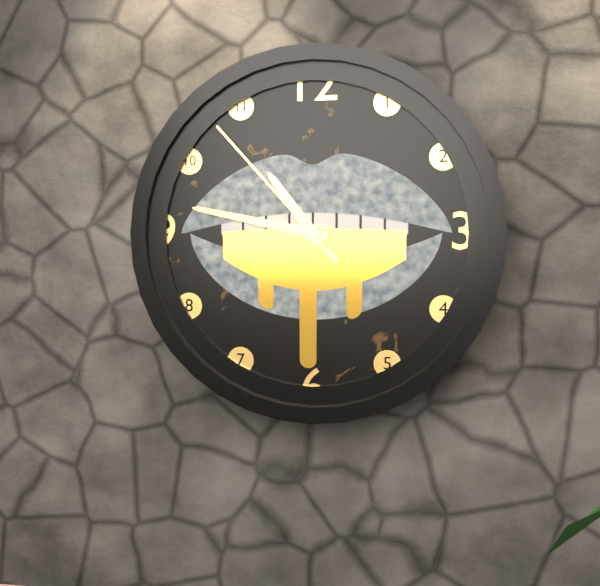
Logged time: 10 h 47 min 53 s
